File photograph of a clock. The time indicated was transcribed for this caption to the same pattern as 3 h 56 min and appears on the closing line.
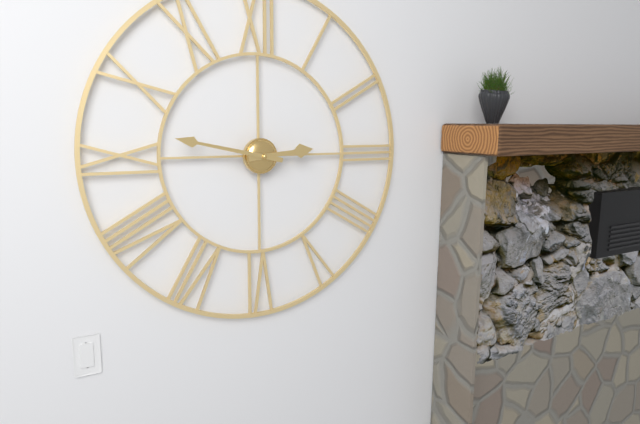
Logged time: 2 h 47 min
